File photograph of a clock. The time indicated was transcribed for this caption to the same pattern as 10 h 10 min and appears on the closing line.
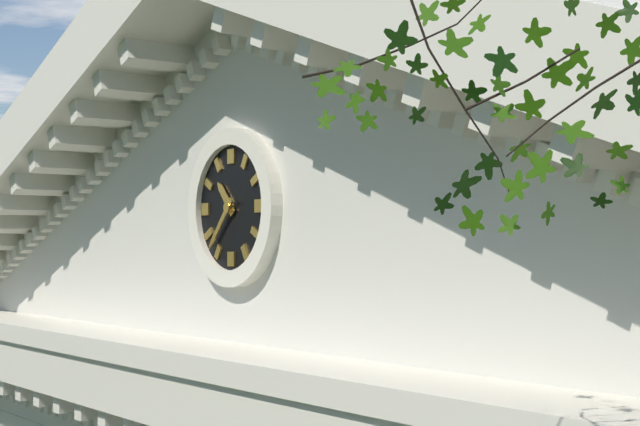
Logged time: 10 h 37 min
